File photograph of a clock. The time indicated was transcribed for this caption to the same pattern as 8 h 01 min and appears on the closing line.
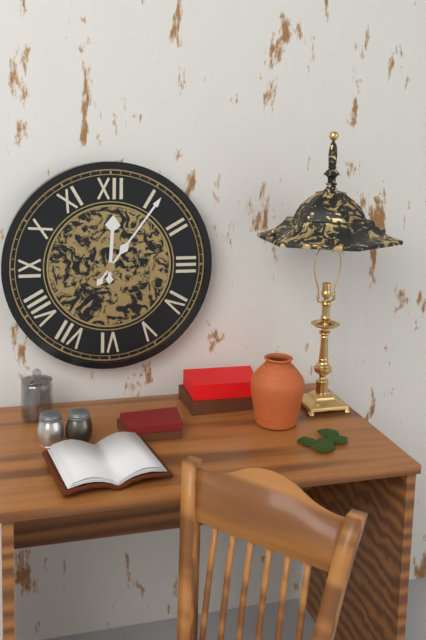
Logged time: 12 h 06 min
